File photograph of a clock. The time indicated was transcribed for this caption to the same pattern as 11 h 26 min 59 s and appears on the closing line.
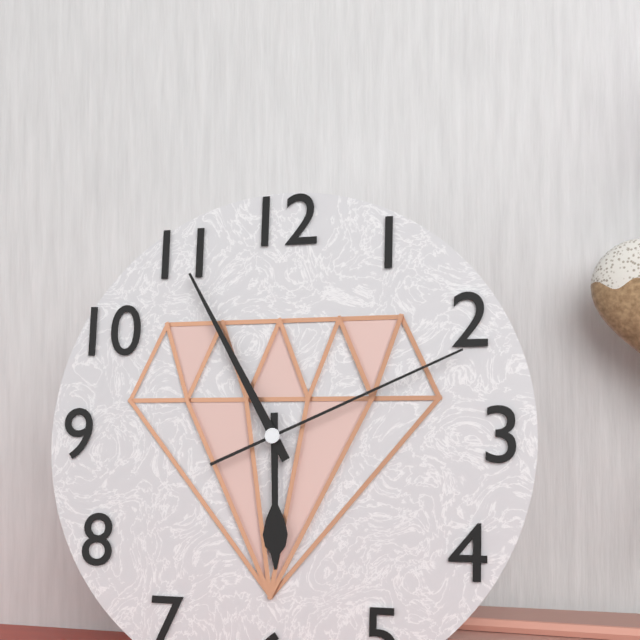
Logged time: 5 h 55 min 11 s
